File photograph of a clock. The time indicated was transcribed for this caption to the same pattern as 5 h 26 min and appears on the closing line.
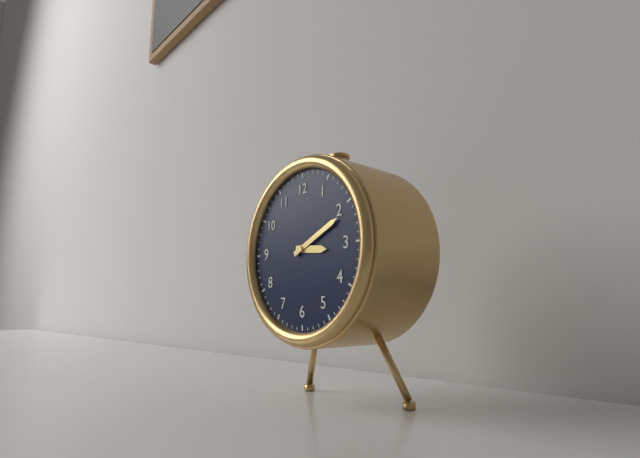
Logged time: 3 h 11 min
